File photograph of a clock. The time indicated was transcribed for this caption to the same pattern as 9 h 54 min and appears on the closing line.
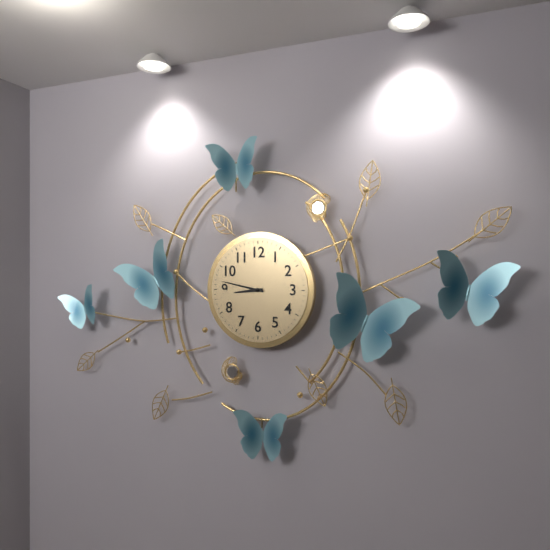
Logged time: 8 h 47 min
